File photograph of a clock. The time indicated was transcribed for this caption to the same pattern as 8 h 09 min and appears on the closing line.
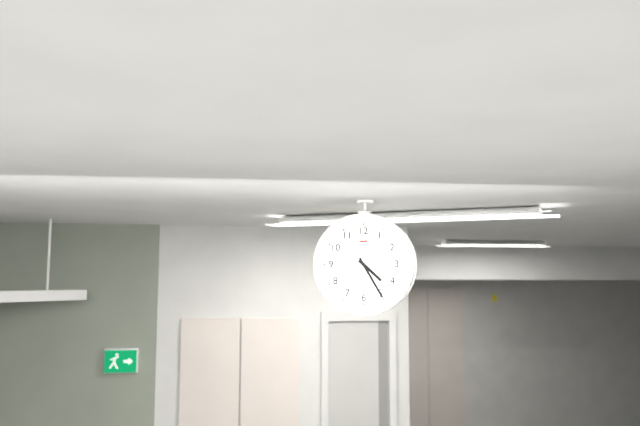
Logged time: 4 h 25 min
